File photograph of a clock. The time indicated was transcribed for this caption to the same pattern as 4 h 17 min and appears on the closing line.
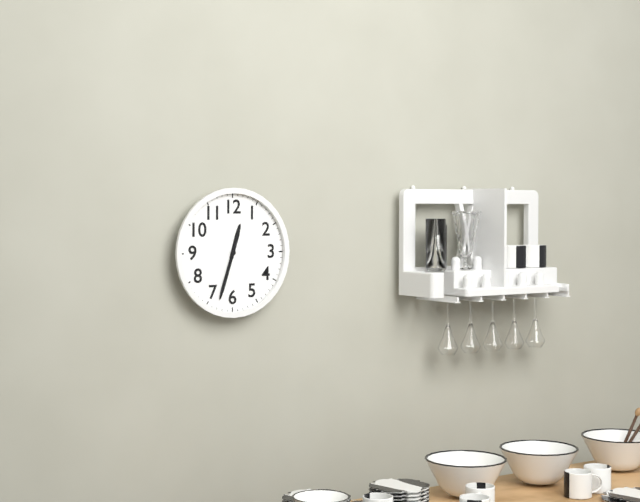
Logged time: 12 h 33 min
